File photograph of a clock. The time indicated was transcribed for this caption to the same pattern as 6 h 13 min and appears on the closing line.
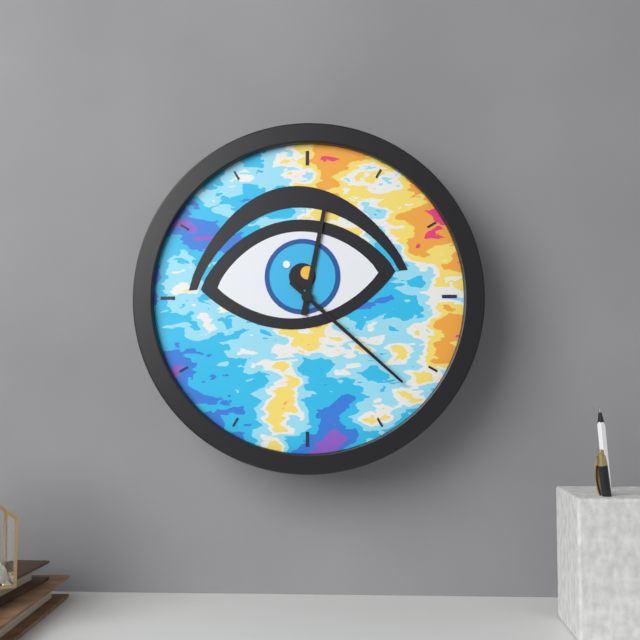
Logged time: 12 h 22 min
